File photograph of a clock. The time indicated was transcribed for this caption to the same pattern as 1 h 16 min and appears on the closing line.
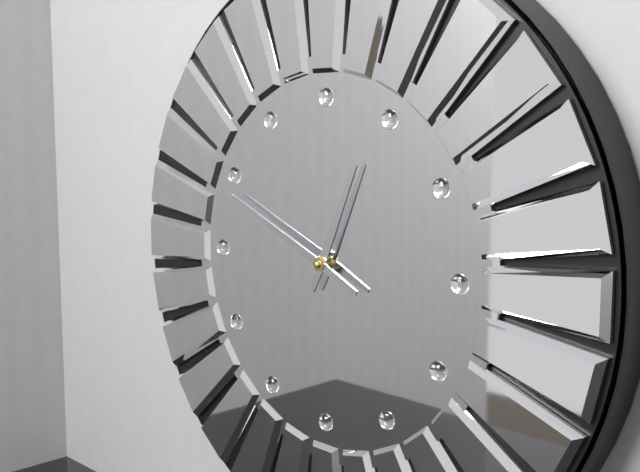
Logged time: 12 h 49 min
